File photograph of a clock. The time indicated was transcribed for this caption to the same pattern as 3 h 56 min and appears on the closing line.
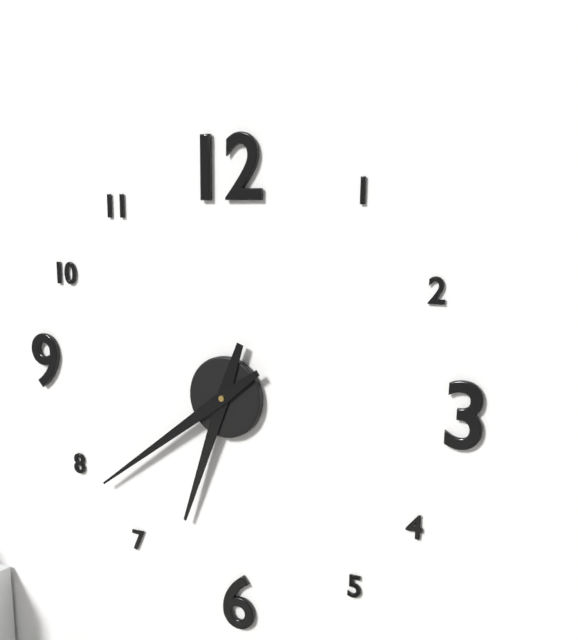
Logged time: 6 h 39 min
